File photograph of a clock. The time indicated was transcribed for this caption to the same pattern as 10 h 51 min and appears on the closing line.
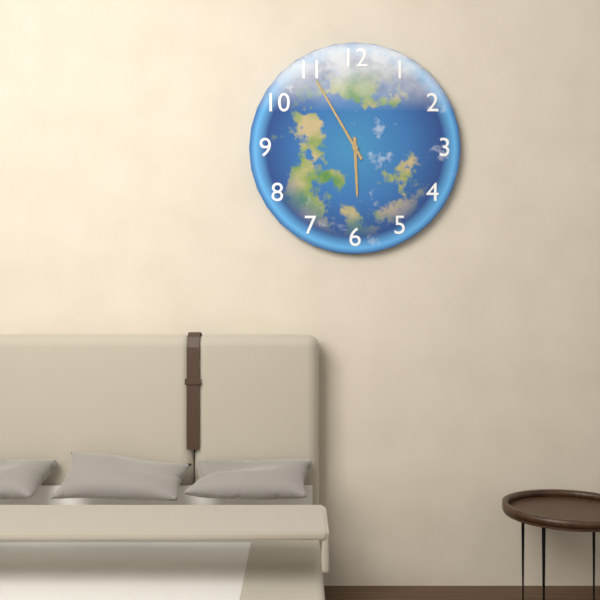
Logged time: 5 h 55 min
